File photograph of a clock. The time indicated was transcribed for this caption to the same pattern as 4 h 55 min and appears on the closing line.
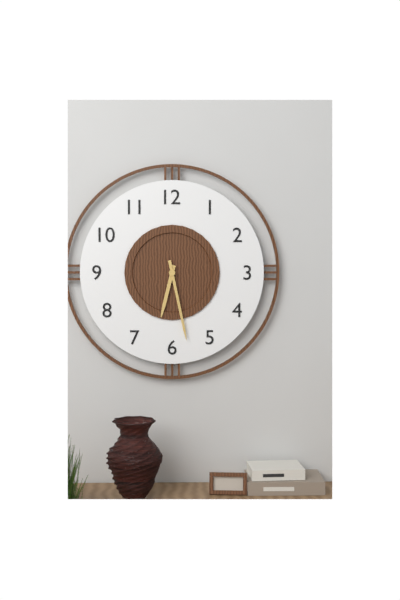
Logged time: 6 h 28 min
